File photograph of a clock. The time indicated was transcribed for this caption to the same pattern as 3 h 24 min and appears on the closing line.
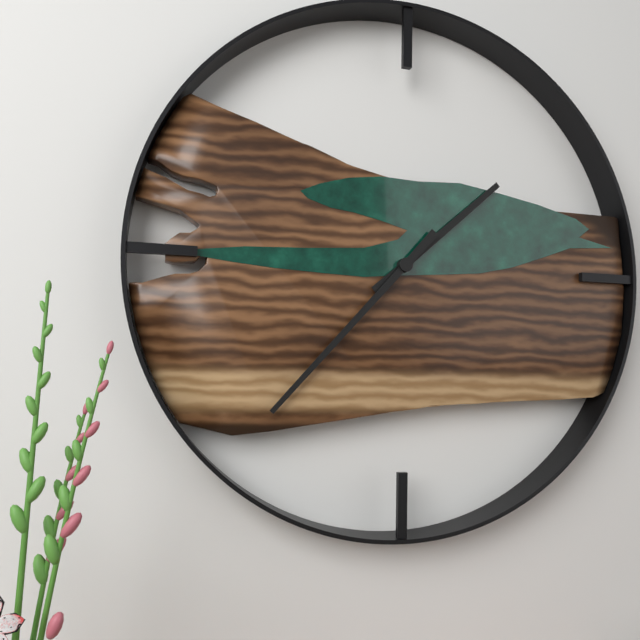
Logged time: 1 h 37 min
